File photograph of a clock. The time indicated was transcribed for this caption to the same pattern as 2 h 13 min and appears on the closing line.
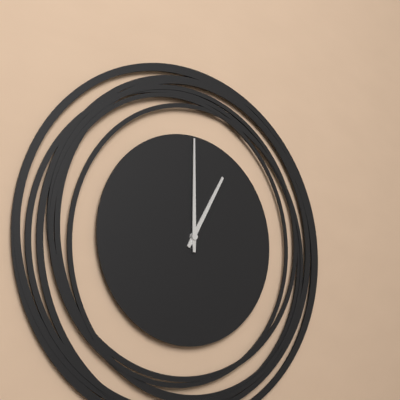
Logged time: 1 h 00 min
